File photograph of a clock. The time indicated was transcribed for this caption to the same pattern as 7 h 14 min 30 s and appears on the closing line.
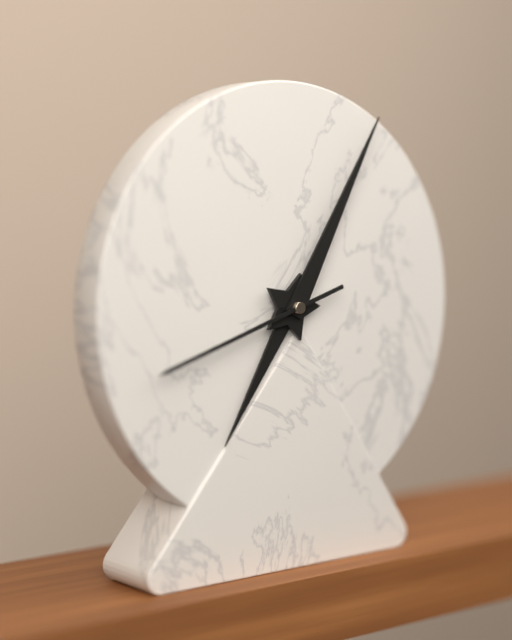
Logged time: 7 h 05 min 42 s
